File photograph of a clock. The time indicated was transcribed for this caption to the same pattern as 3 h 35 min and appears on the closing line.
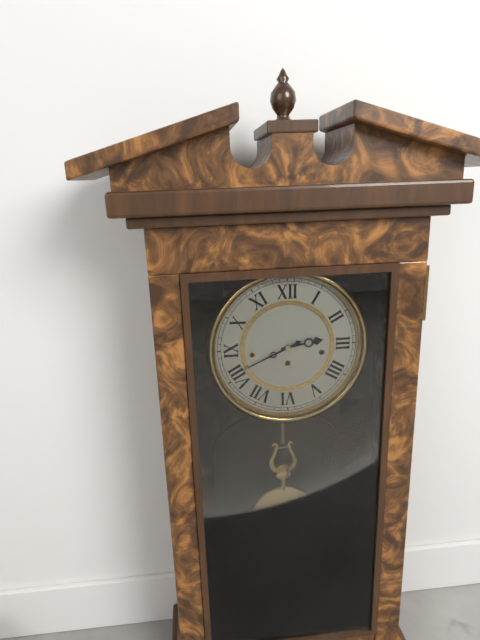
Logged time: 2 h 41 min
